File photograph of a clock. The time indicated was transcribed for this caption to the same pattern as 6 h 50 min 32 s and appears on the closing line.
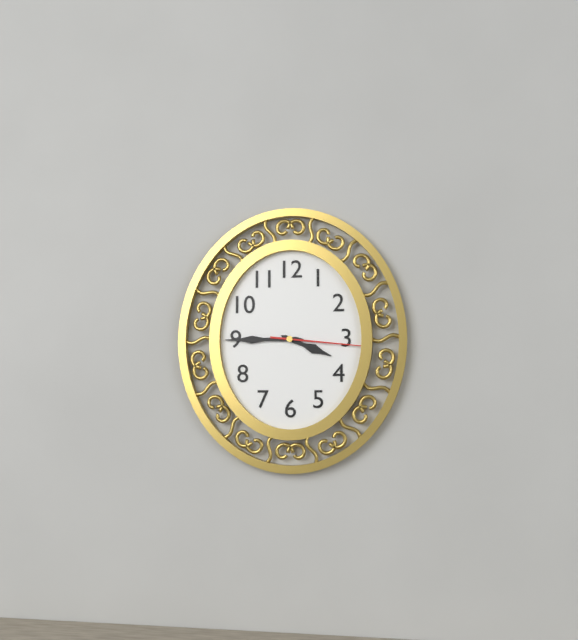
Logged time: 3 h 45 min 16 s
